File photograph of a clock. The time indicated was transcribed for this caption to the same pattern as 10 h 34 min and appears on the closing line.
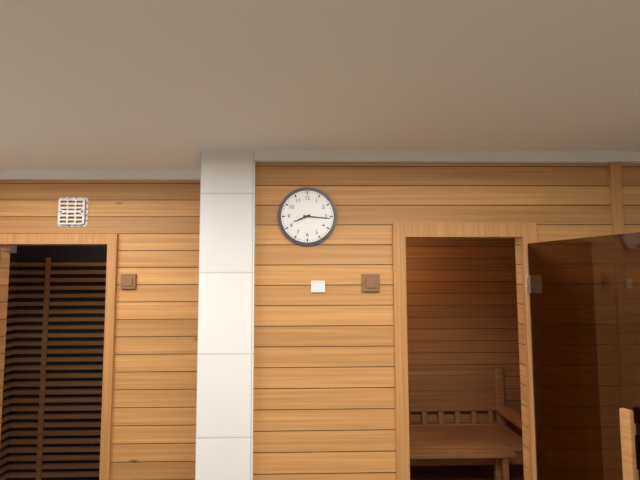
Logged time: 8 h 16 min
